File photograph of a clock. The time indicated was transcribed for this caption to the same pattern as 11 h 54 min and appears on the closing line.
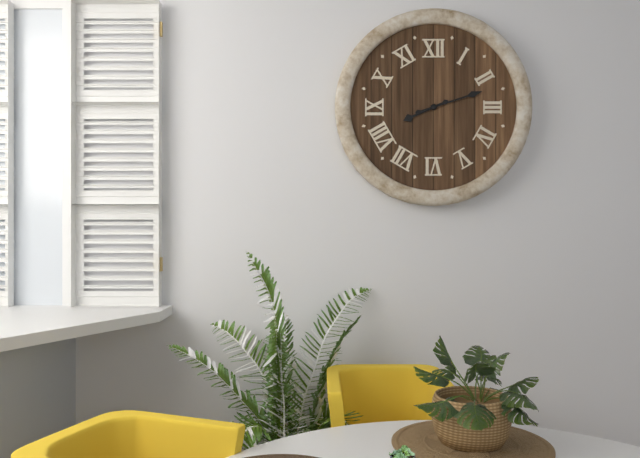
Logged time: 8 h 12 min
